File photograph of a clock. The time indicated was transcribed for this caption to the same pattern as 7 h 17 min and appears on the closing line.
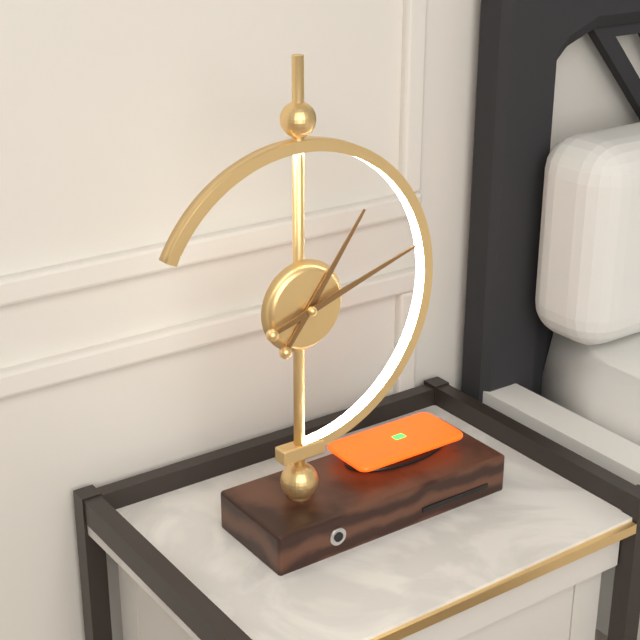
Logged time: 1 h 12 min
